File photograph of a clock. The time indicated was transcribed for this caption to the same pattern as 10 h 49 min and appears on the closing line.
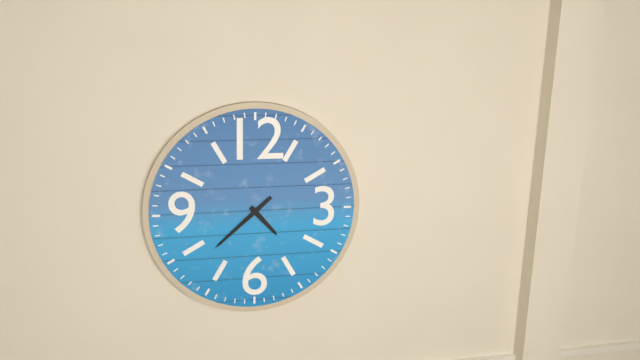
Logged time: 4 h 38 min
